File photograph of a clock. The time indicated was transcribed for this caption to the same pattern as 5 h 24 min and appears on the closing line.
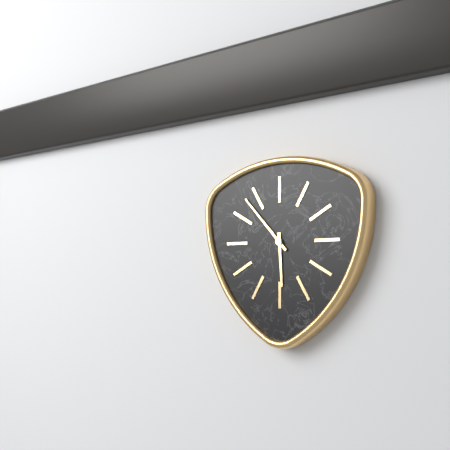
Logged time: 5 h 53 min
